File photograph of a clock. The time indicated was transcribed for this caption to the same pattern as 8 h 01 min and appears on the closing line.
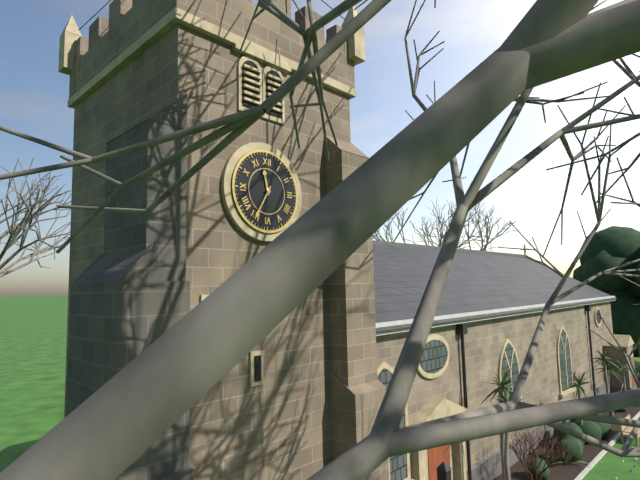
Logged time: 11 h 35 min
